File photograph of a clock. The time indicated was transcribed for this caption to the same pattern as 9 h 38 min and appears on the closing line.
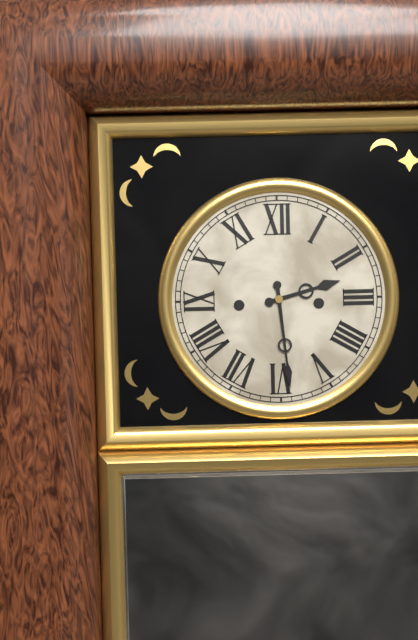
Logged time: 2 h 29 min
